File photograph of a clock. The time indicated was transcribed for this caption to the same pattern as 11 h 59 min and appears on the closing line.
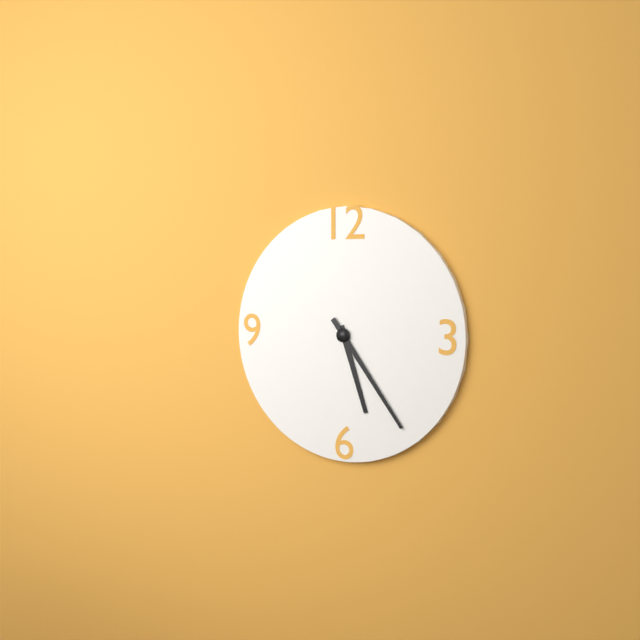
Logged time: 5 h 24 min
